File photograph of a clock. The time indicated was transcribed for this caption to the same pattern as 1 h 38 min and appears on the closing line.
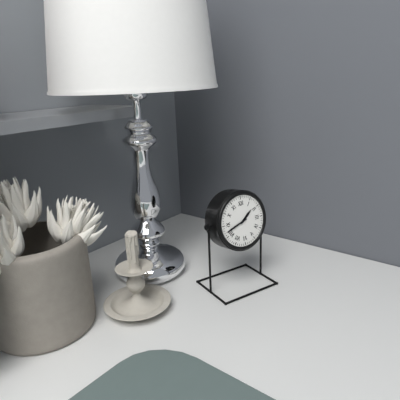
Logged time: 1 h 42 min
